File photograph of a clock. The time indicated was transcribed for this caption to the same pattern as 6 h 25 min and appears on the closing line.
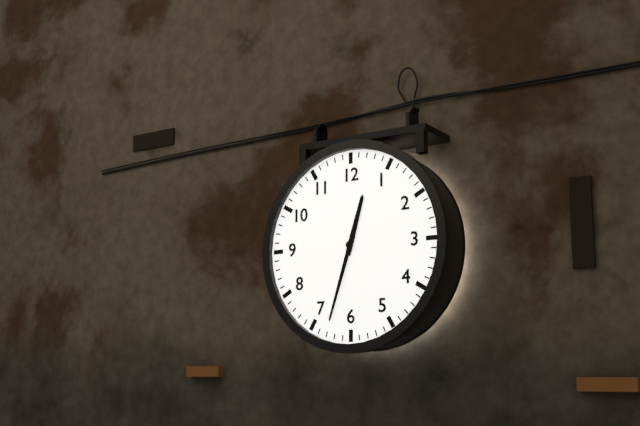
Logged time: 12 h 33 min
